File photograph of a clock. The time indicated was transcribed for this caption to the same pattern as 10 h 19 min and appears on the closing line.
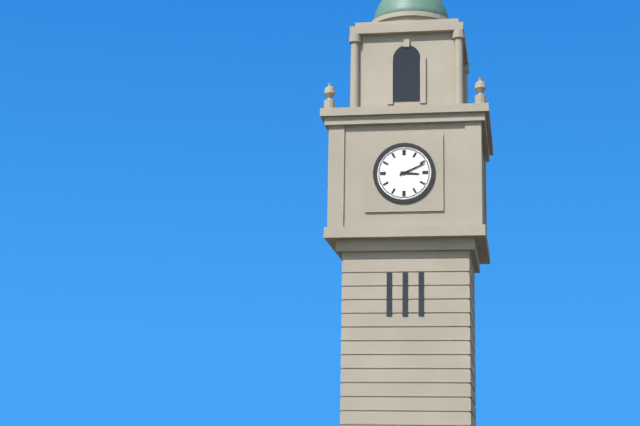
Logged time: 3 h 11 min
